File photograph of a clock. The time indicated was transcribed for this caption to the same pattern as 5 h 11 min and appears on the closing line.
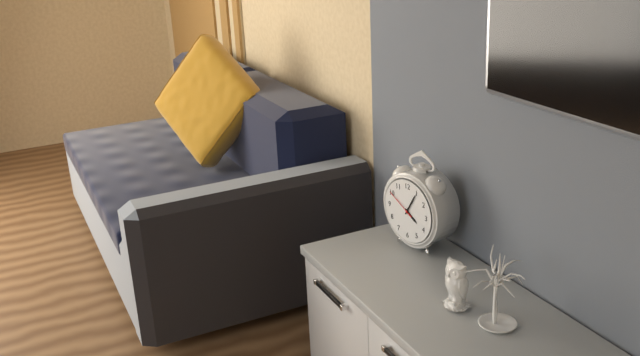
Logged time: 4 h 05 min
